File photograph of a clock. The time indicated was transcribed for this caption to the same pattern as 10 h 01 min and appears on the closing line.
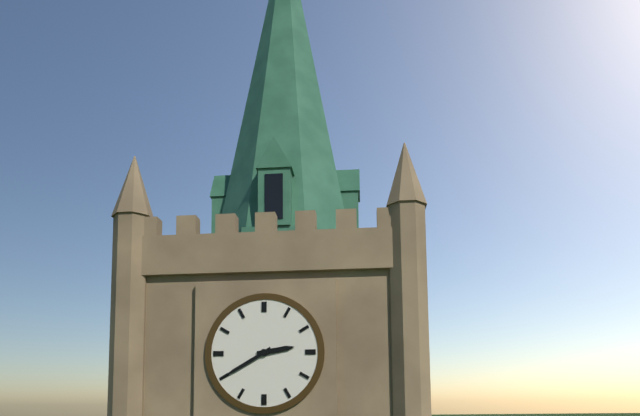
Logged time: 2 h 40 min
